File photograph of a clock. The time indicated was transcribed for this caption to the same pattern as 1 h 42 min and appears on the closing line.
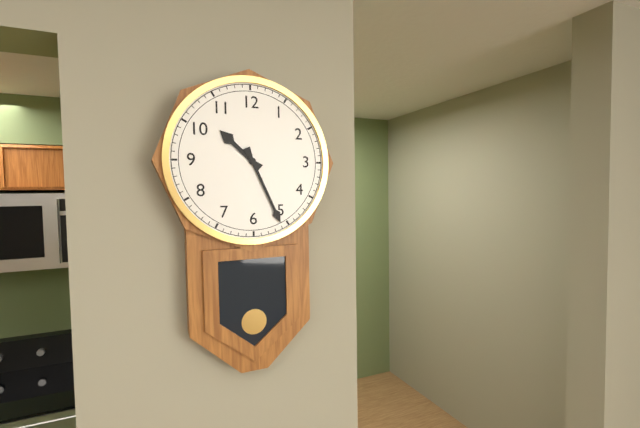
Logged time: 10 h 26 min
